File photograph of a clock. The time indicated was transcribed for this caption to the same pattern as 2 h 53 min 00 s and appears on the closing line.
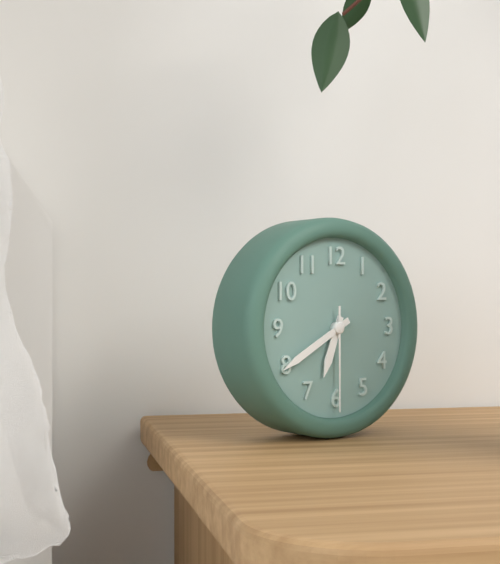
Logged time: 6 h 40 min 30 s
